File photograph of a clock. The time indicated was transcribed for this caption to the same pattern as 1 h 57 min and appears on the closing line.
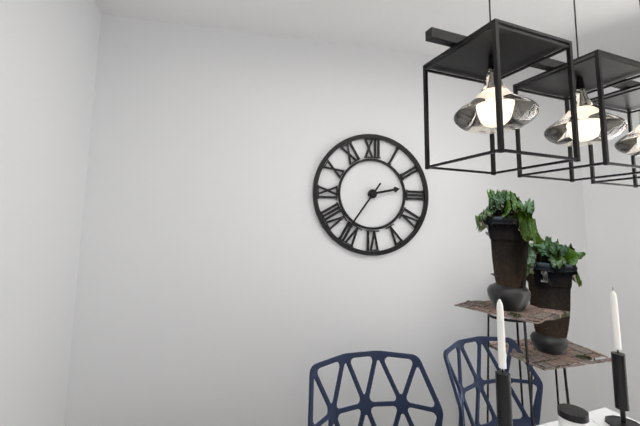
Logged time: 2 h 36 min
